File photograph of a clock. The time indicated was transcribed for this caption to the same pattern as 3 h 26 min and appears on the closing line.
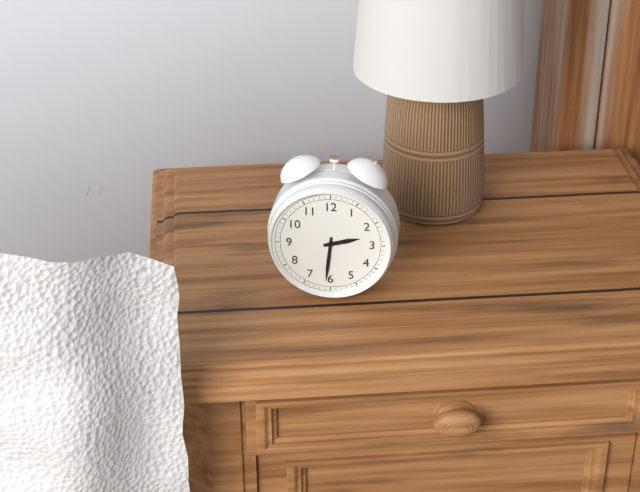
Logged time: 2 h 31 min
